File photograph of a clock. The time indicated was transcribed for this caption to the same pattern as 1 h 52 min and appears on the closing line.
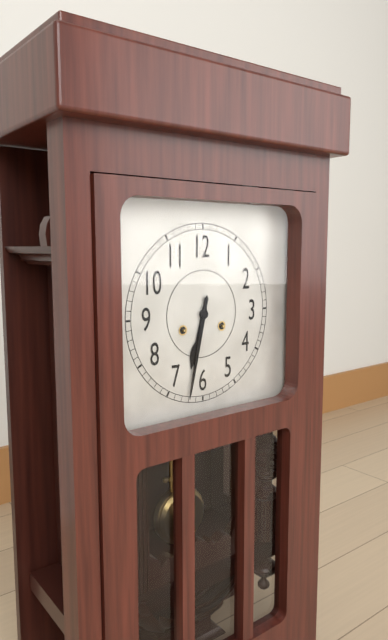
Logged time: 6 h 32 min
